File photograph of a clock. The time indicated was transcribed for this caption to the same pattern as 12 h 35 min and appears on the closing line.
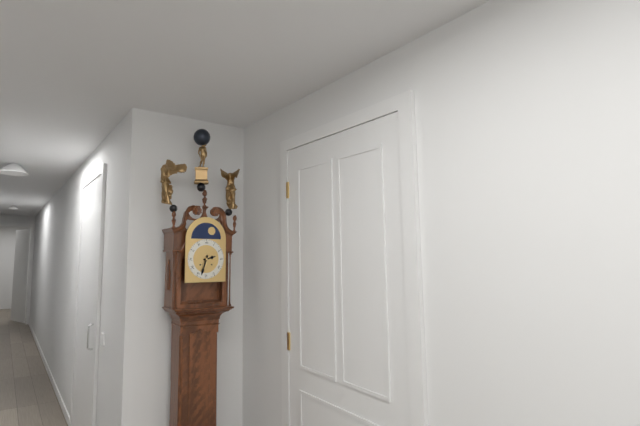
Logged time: 2 h 33 min
